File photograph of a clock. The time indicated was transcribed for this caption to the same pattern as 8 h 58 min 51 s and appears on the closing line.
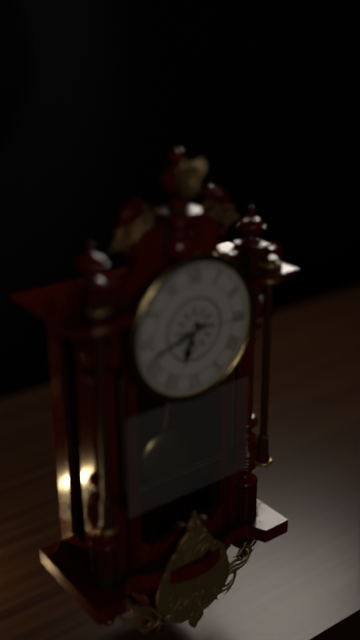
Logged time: 6 h 42 min 15 s
